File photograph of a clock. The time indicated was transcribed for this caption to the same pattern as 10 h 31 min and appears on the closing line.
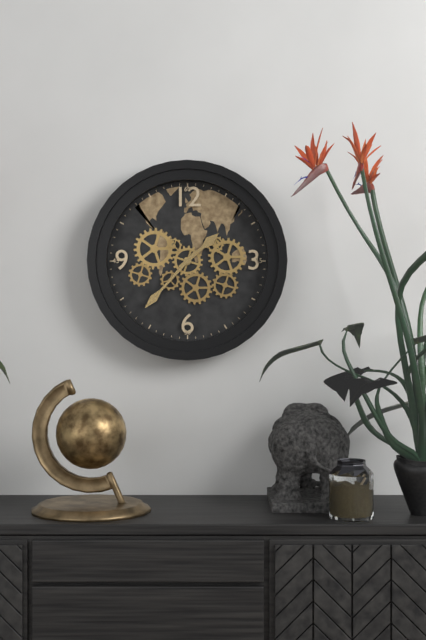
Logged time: 1 h 37 min
